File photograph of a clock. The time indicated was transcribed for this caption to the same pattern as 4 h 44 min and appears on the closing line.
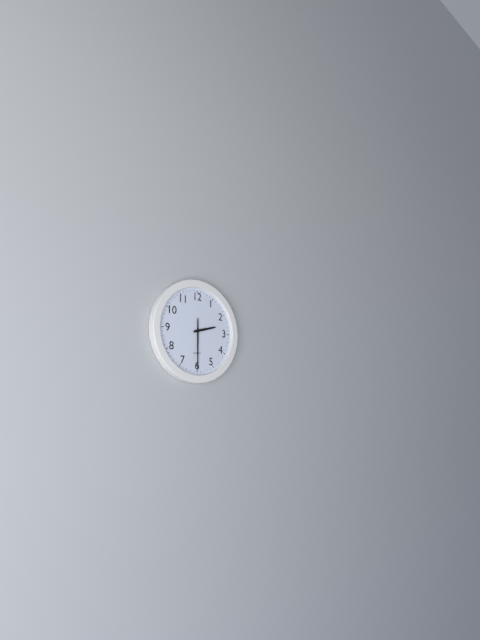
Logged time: 2 h 30 min
